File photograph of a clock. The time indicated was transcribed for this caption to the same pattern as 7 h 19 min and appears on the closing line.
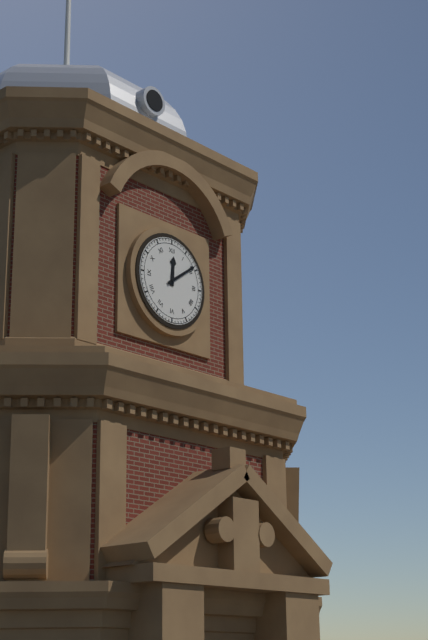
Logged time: 12 h 09 min
